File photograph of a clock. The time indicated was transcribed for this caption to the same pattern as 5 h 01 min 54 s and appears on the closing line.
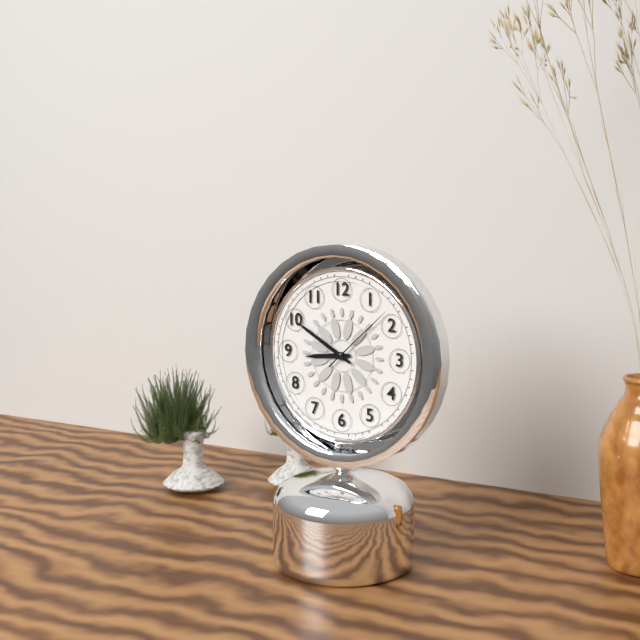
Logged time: 8 h 50 min 08 s
